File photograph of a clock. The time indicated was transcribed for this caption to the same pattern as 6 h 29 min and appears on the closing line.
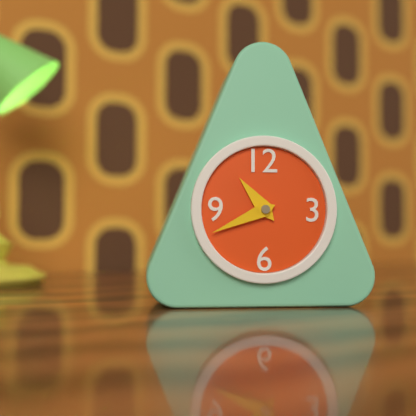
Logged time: 10 h 41 min
